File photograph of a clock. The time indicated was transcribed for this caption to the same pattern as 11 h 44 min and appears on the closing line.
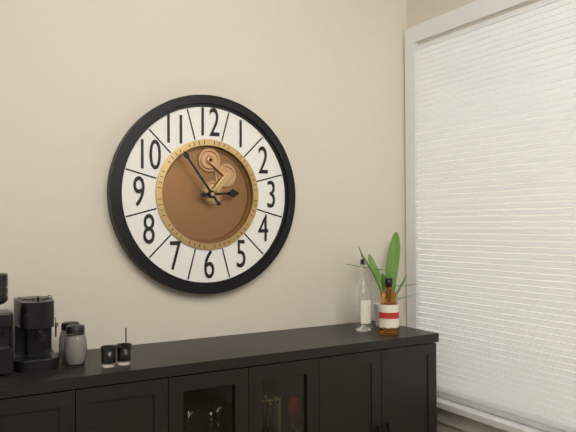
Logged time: 2 h 54 min
